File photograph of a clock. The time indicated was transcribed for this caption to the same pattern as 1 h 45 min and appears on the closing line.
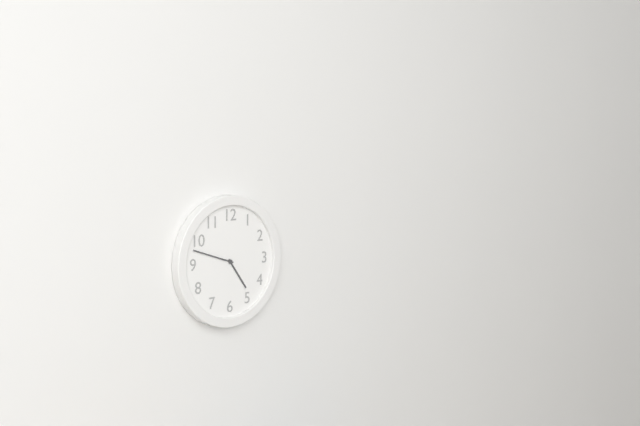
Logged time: 4 h 48 min
